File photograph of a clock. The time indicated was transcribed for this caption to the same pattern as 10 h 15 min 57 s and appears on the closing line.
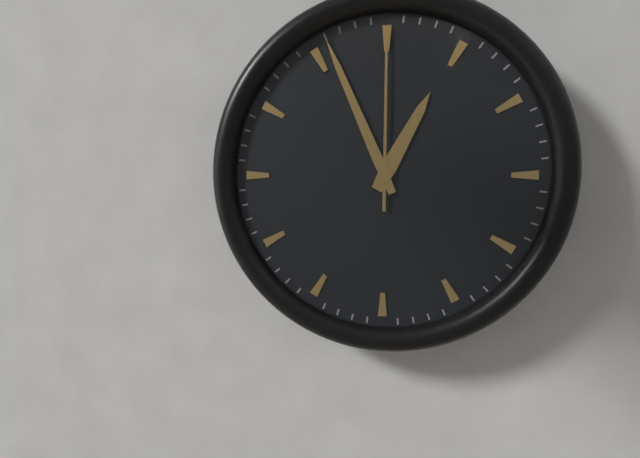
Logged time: 12 h 56 min 00 s
